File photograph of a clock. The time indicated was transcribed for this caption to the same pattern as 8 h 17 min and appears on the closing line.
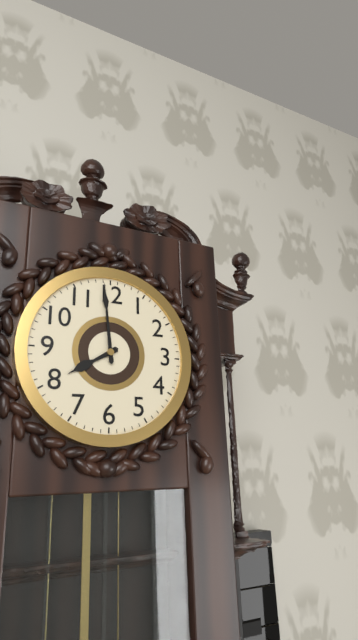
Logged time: 7 h 59 min
